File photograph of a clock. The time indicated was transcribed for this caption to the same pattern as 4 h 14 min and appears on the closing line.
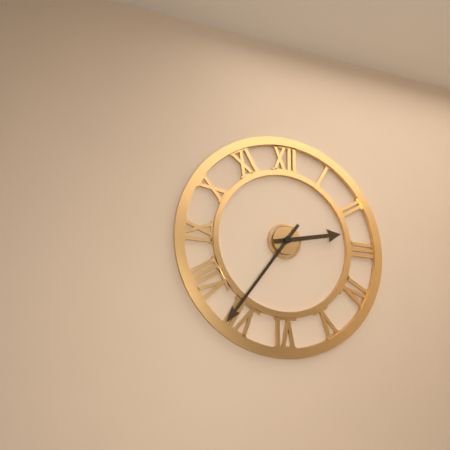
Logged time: 2 h 36 min
